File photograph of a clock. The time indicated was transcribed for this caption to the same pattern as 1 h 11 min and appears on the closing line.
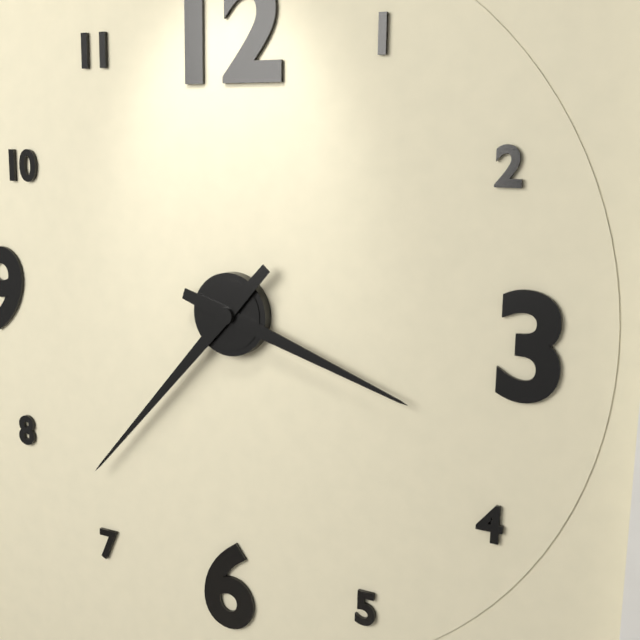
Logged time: 3 h 37 min
